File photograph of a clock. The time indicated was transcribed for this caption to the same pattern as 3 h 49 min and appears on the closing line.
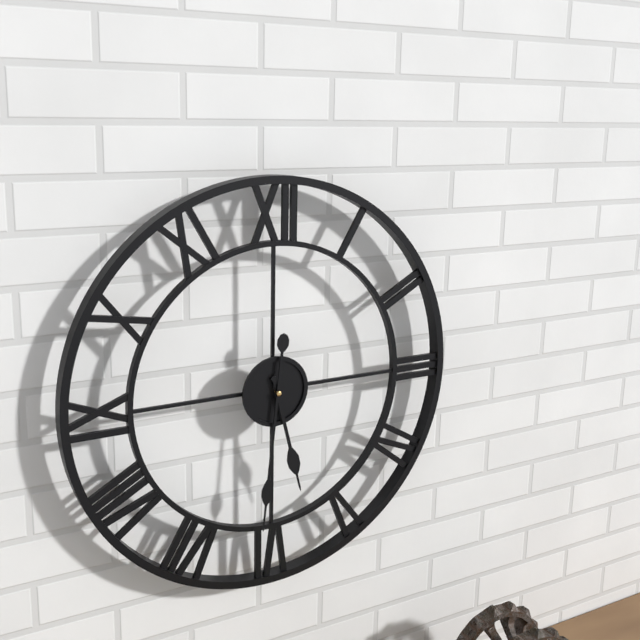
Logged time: 5 h 31 min
